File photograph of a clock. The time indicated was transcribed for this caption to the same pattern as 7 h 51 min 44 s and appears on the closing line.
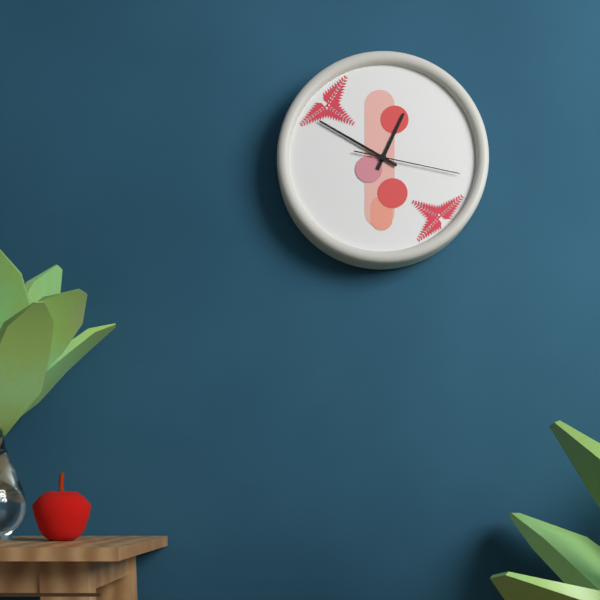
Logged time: 12 h 50 min 17 s
